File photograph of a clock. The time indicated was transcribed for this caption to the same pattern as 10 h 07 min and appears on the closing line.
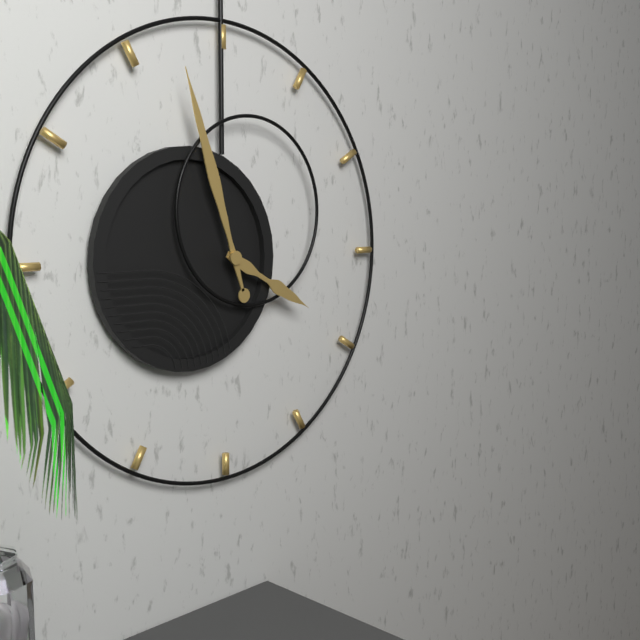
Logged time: 3 h 57 min
